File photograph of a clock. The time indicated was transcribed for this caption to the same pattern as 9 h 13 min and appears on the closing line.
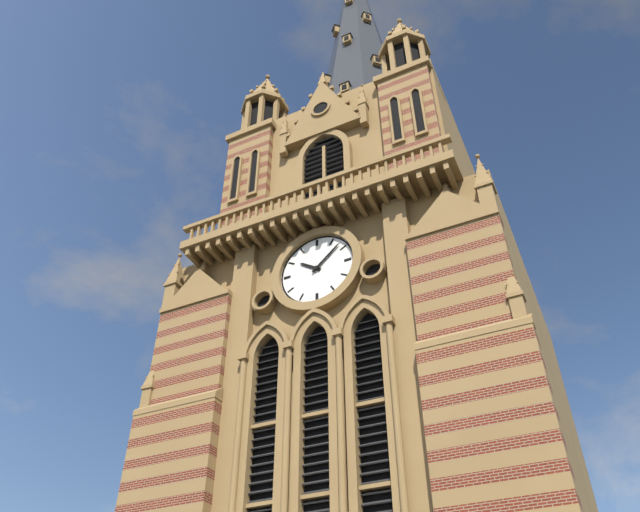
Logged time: 10 h 08 min
